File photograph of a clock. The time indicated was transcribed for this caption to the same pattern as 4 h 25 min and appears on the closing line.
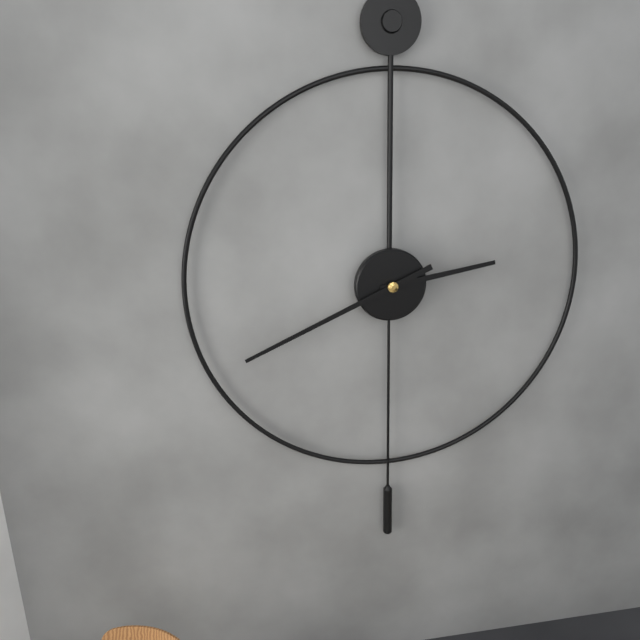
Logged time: 2 h 41 min
